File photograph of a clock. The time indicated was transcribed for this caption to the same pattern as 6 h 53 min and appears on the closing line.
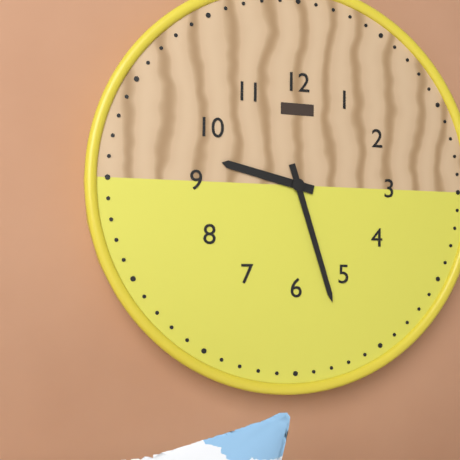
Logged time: 9 h 27 min
